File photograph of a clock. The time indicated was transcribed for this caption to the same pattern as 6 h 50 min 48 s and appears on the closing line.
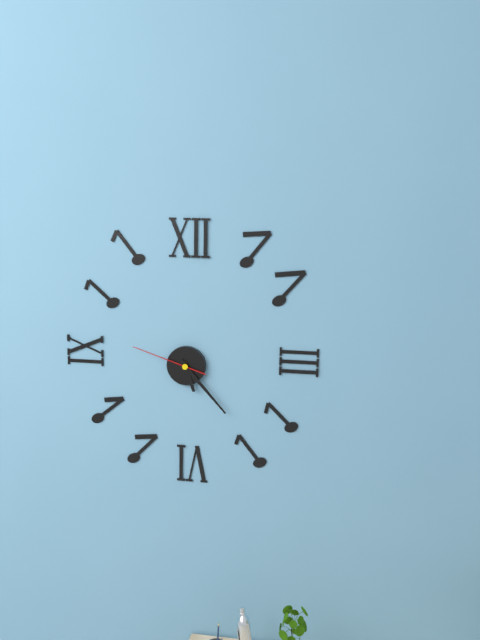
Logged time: 5 h 23 min 48 s
